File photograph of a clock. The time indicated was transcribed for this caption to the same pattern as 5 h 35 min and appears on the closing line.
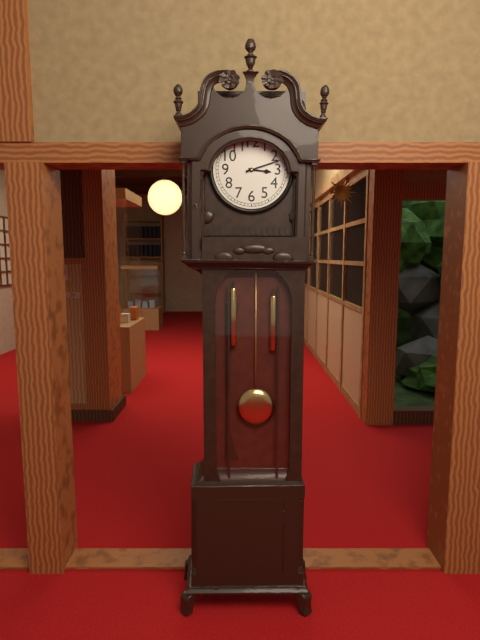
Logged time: 3 h 12 min
